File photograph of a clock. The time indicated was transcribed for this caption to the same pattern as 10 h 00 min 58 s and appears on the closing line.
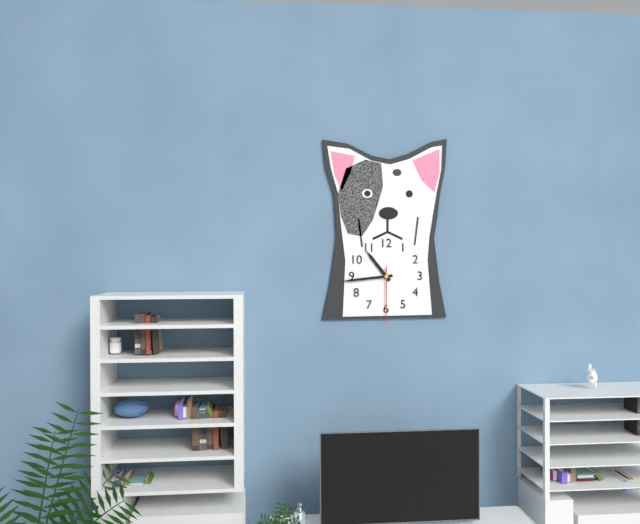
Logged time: 10 h 44 min 30 s
